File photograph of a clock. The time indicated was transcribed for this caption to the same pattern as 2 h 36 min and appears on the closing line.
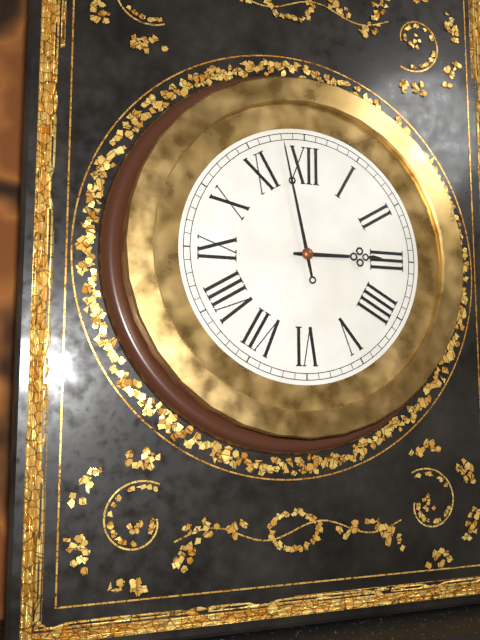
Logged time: 2 h 58 min
